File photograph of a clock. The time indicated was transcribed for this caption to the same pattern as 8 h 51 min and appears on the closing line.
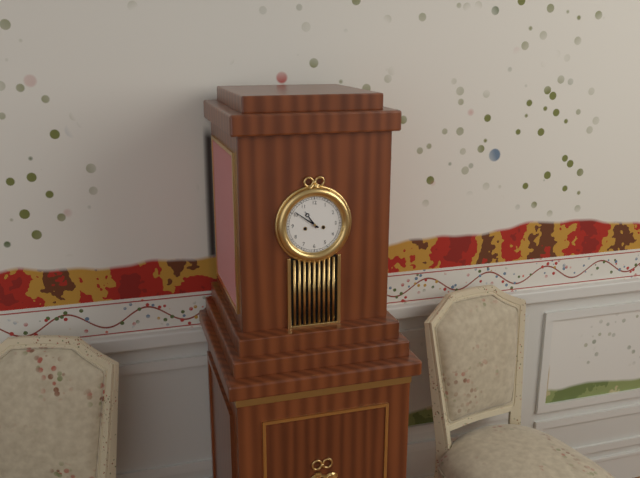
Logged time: 10 h 51 min
